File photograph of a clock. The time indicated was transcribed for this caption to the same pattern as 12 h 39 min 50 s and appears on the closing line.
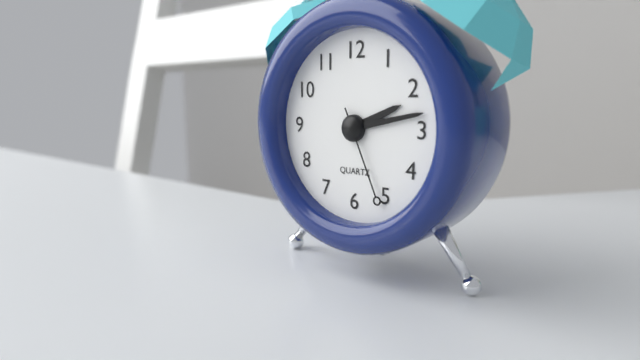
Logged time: 2 h 13 min 26 s
